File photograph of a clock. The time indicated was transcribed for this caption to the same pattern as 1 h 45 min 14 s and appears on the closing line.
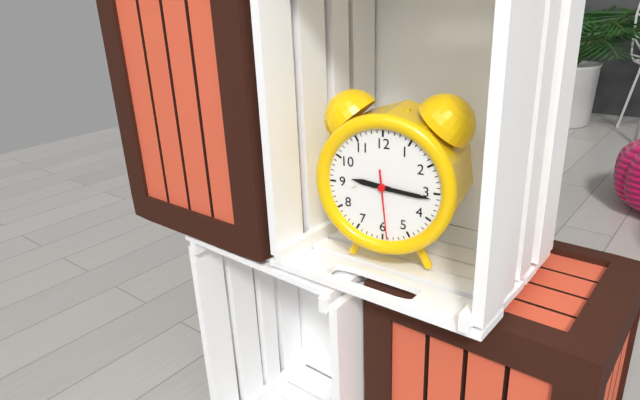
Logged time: 9 h 16 min 29 s
